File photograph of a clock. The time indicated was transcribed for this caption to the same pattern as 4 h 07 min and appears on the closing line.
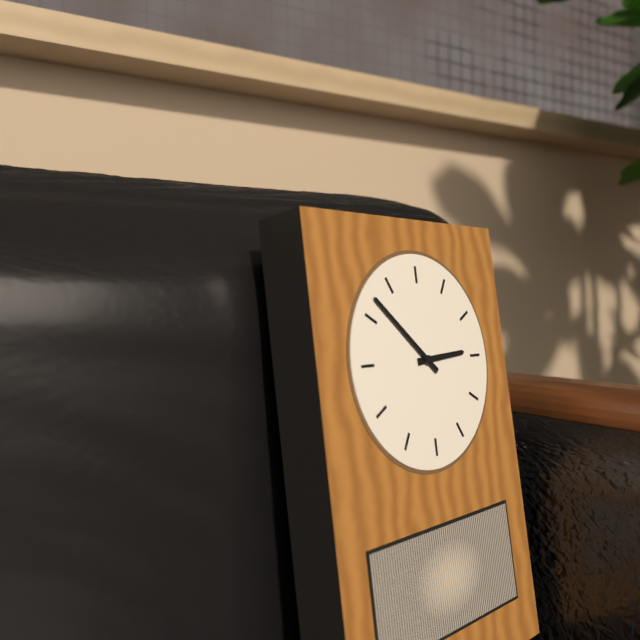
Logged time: 2 h 52 min
